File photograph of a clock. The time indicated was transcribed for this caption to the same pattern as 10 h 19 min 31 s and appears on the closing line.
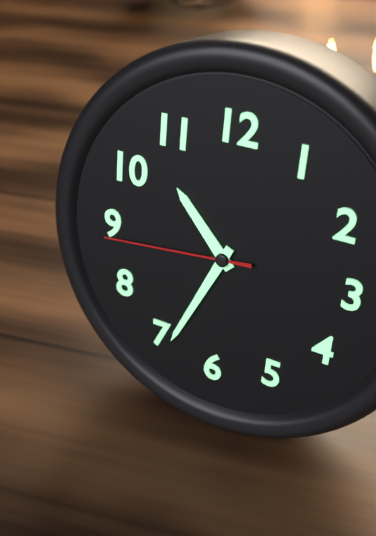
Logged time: 10 h 34 min 44 s
